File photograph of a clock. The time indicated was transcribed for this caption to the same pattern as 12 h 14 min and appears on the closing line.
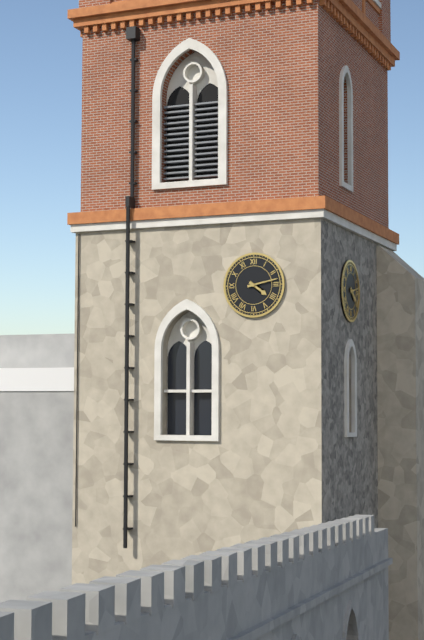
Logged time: 4 h 13 min
